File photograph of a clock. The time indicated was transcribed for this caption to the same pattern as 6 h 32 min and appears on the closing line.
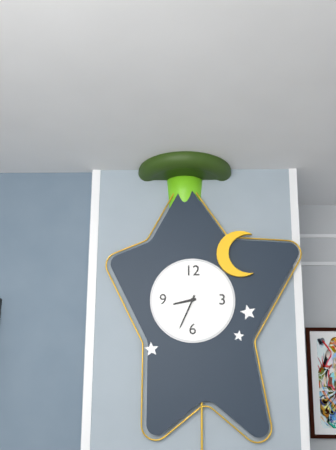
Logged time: 8 h 34 min
